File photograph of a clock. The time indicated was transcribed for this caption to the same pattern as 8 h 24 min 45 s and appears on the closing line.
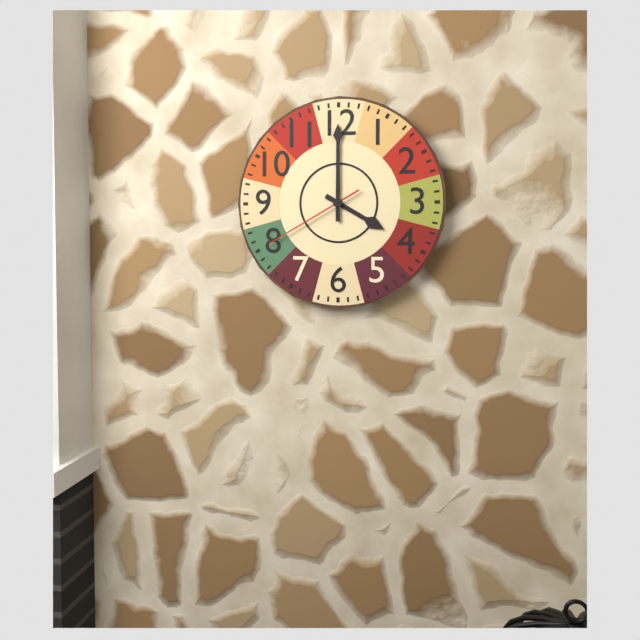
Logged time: 4 h 00 min 40 s
